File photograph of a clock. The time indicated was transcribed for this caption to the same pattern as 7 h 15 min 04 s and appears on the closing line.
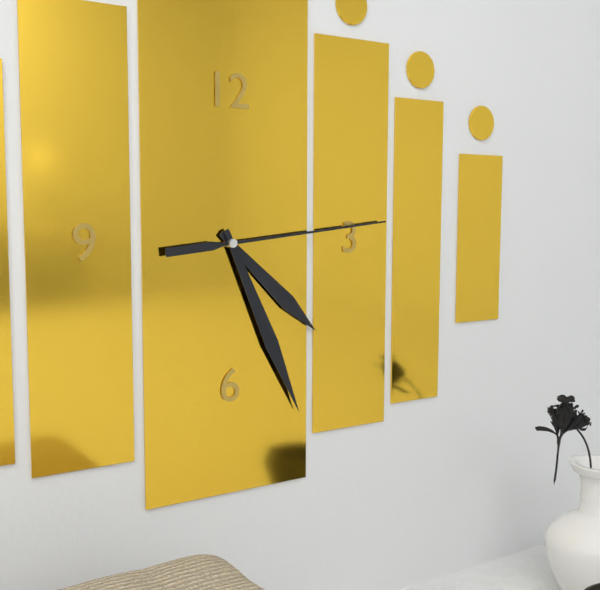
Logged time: 4 h 26 min 14 s
